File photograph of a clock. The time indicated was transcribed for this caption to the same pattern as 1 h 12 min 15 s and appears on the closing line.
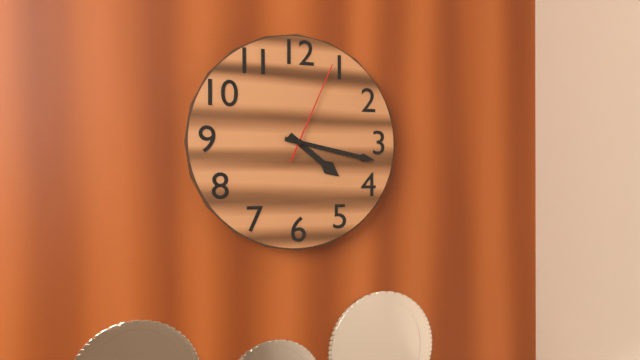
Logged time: 4 h 17 min 04 s
